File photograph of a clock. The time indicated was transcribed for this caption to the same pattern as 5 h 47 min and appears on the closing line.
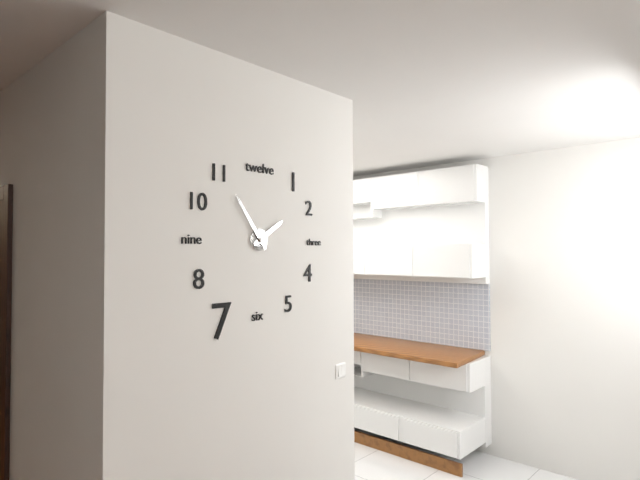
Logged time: 1 h 54 min
